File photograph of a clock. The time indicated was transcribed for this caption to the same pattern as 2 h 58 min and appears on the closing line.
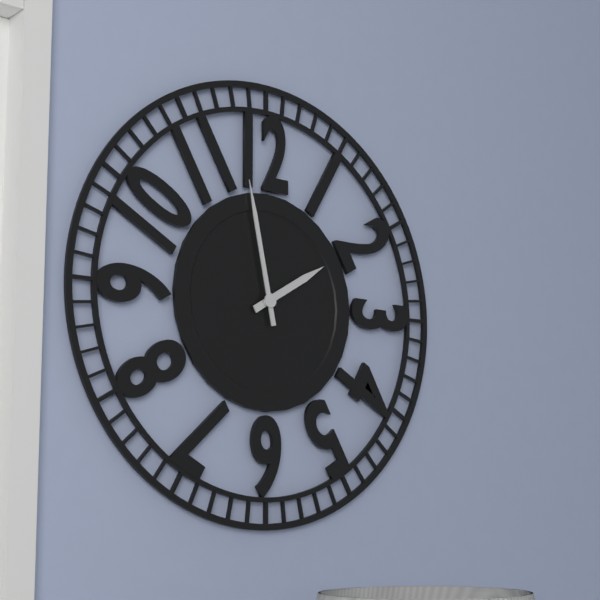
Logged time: 1 h 58 min
